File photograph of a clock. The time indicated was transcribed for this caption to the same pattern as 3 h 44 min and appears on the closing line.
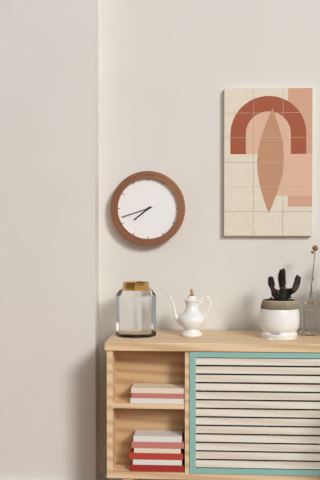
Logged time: 7 h 42 min
